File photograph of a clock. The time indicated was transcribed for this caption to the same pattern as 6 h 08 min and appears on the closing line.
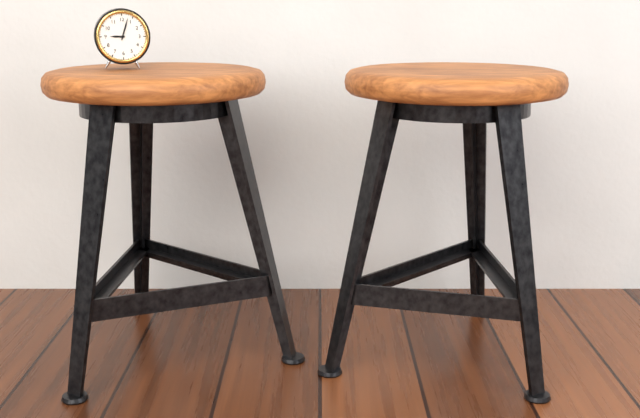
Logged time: 9 h 03 min
